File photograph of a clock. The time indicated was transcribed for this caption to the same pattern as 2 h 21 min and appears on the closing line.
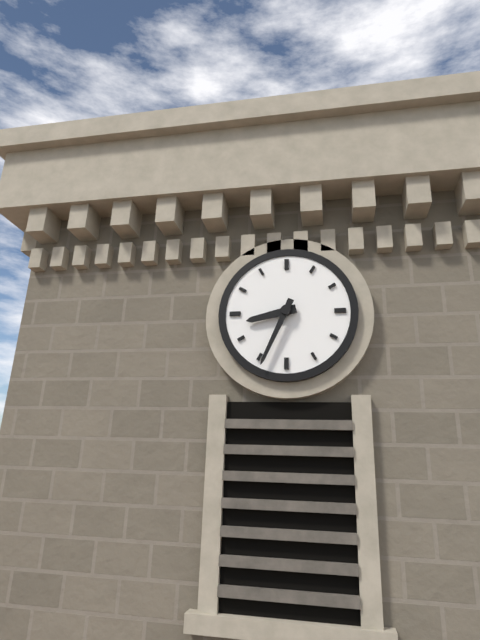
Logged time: 8 h 34 min
